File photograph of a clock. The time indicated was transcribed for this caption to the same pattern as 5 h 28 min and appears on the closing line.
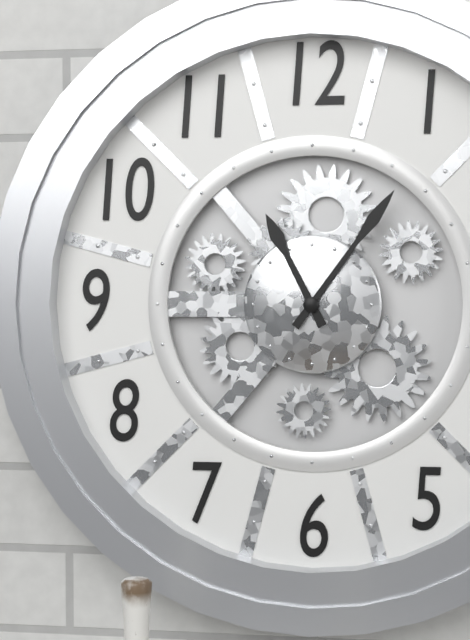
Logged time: 11 h 06 min
